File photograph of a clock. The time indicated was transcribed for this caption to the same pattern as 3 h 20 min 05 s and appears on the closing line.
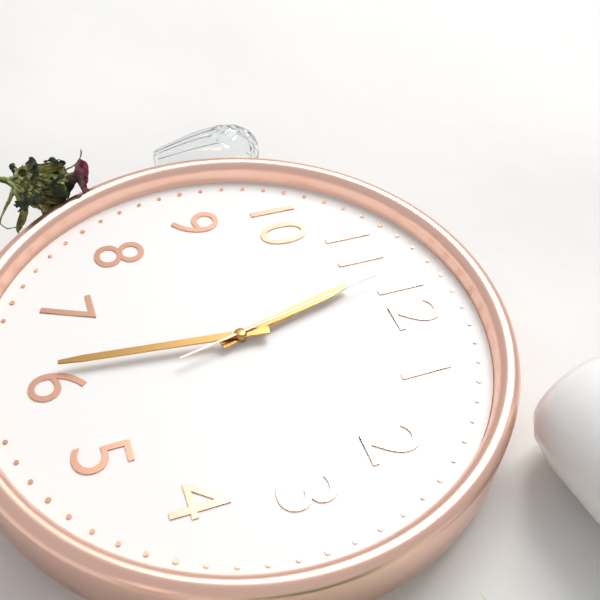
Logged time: 11 h 31 min 58 s
